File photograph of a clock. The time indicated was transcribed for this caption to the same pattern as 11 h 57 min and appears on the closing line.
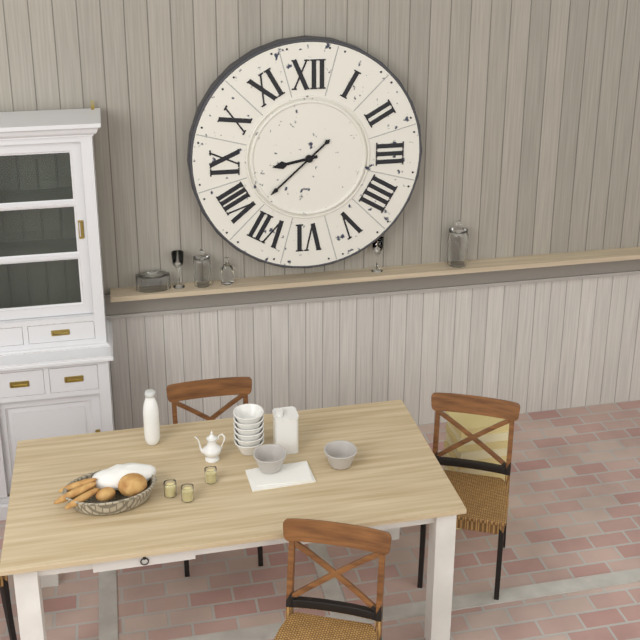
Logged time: 8 h 38 min
